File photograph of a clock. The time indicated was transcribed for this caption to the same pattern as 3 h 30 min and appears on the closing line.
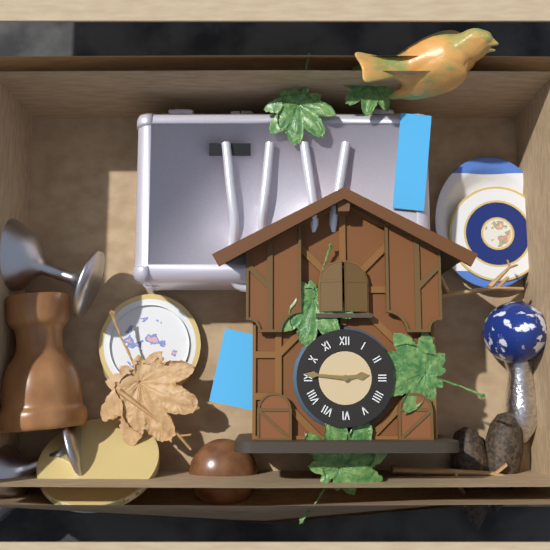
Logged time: 2 h 46 min
